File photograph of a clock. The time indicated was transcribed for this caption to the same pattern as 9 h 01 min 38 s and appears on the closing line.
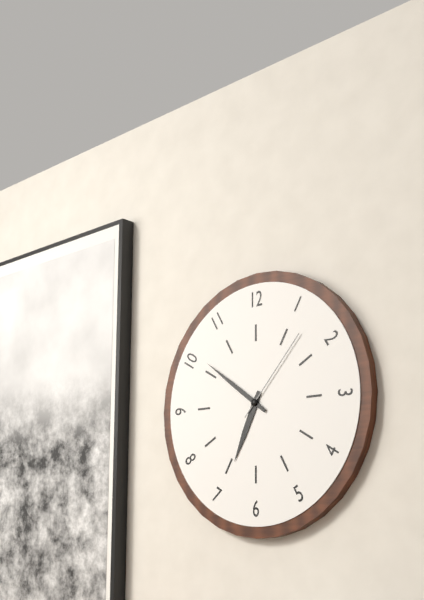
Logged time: 6 h 51 min 07 s
